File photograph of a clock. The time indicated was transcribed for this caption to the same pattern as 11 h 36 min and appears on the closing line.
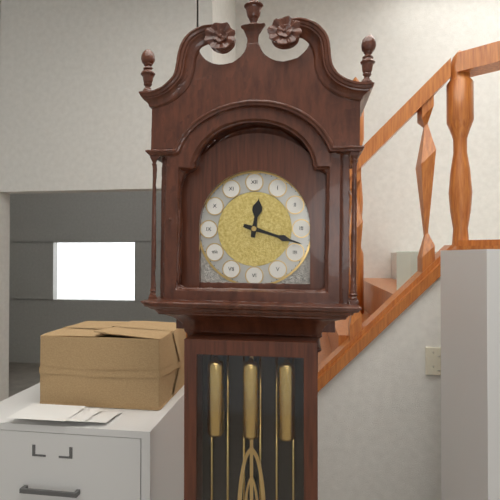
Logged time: 12 h 18 min
